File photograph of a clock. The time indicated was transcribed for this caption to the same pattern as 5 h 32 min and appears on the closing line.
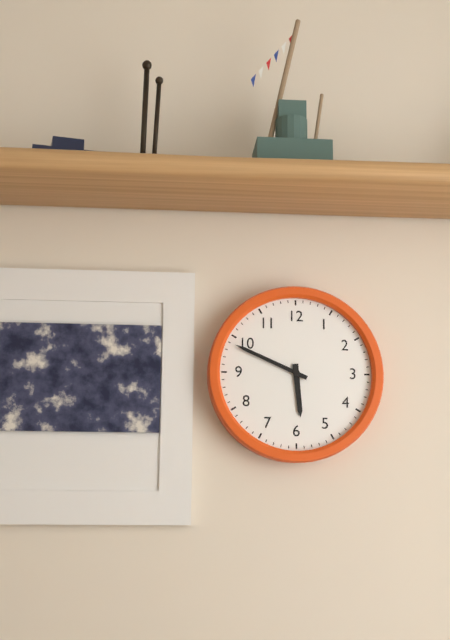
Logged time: 5 h 49 min
